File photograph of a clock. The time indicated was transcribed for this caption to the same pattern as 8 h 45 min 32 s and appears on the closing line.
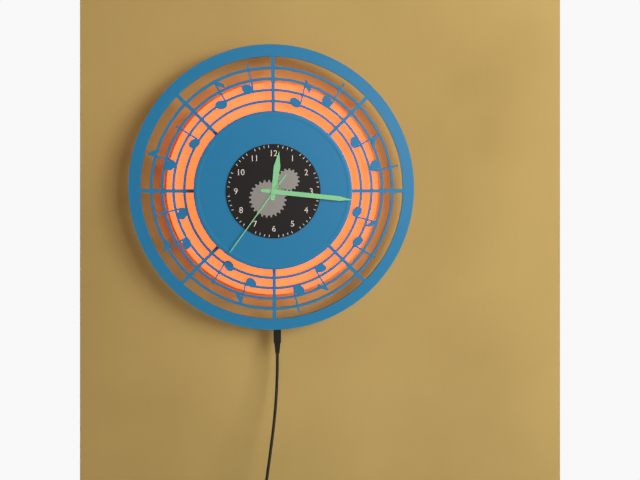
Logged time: 12 h 16 min 36 s
